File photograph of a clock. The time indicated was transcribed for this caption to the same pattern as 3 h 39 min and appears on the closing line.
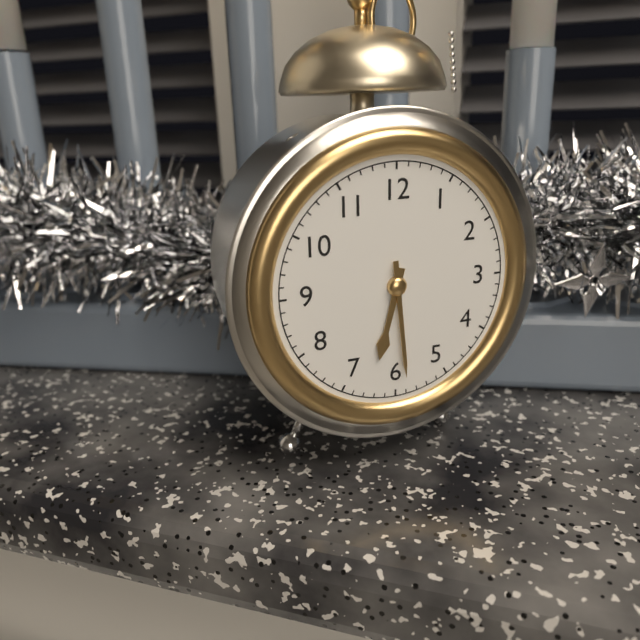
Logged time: 6 h 29 min
